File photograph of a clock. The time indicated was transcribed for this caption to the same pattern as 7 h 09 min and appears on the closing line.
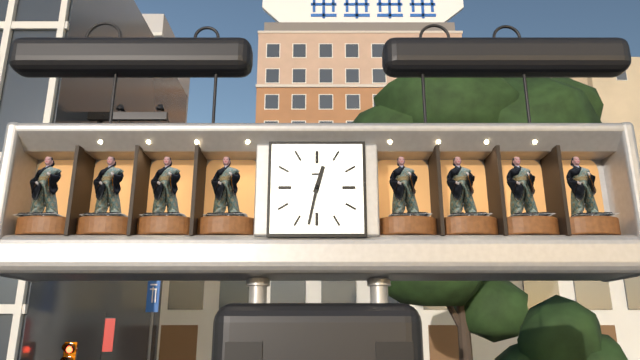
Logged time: 12 h 32 min
